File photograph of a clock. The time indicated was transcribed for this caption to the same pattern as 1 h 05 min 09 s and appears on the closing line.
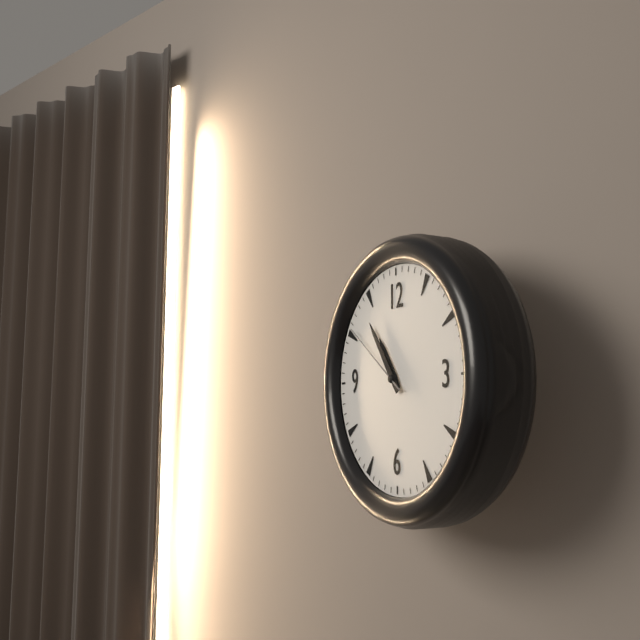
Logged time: 10 h 54 min 51 s
